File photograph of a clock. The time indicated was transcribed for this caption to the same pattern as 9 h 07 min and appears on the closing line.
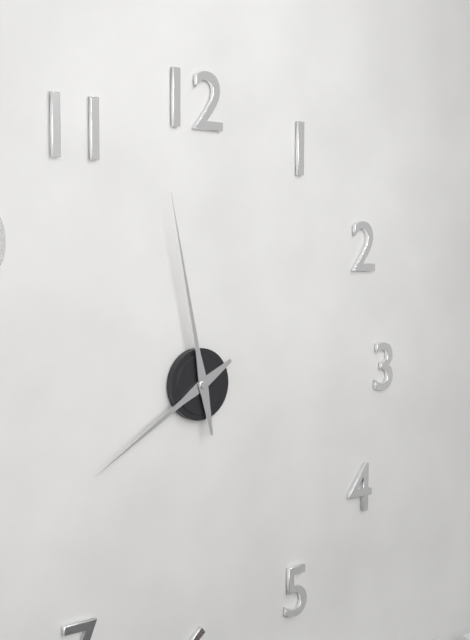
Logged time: 7 h 58 min
